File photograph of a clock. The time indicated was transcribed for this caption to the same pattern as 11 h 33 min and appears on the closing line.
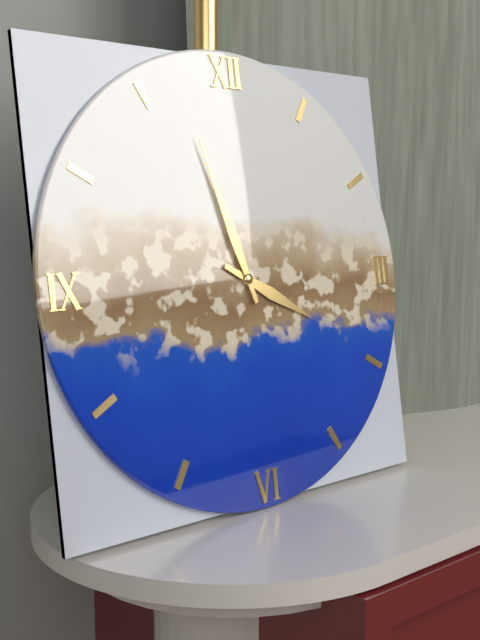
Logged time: 3 h 57 min
